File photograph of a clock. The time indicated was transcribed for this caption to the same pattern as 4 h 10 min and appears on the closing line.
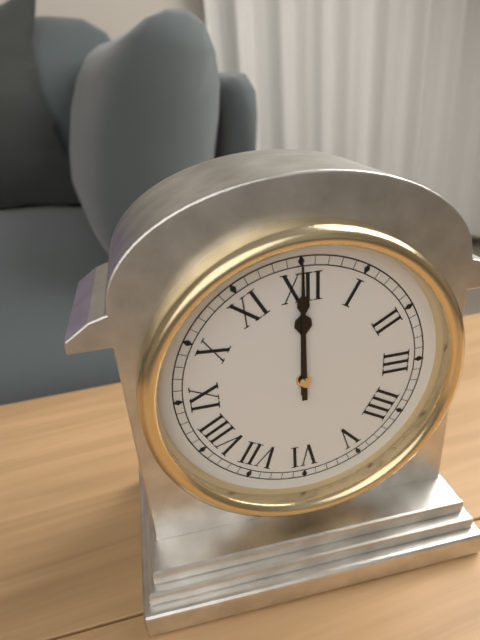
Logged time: 12 h 00 min
